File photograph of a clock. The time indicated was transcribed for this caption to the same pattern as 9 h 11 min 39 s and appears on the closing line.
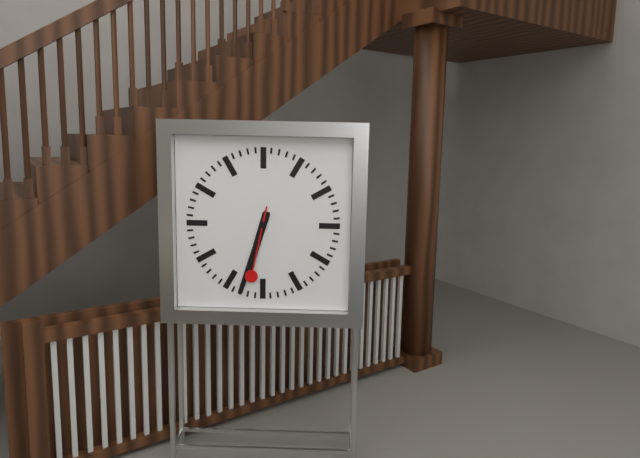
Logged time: 6 h 33 min 32 s
